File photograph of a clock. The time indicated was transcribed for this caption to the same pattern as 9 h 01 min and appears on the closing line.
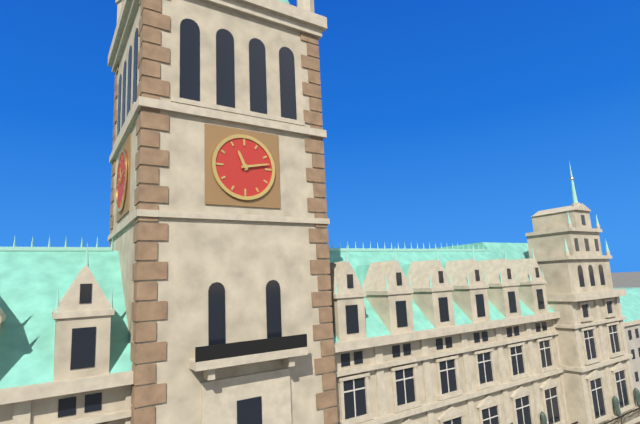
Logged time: 11 h 13 min
